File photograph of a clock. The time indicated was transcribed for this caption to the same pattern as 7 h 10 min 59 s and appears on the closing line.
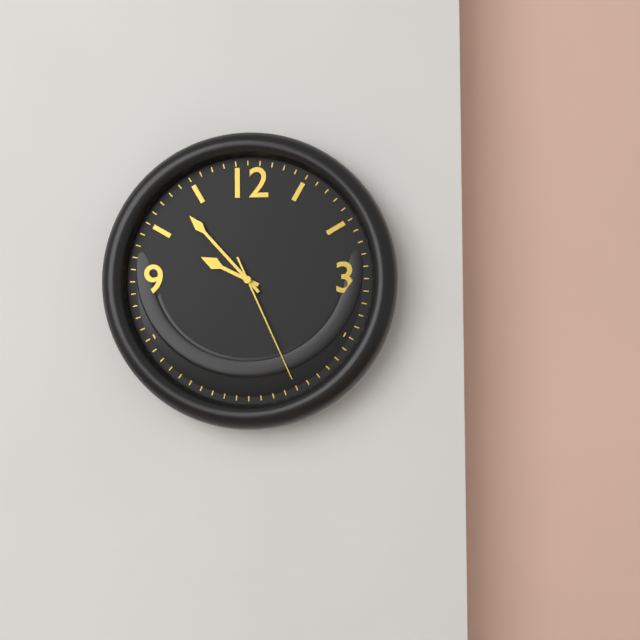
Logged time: 9 h 53 min 26 s
